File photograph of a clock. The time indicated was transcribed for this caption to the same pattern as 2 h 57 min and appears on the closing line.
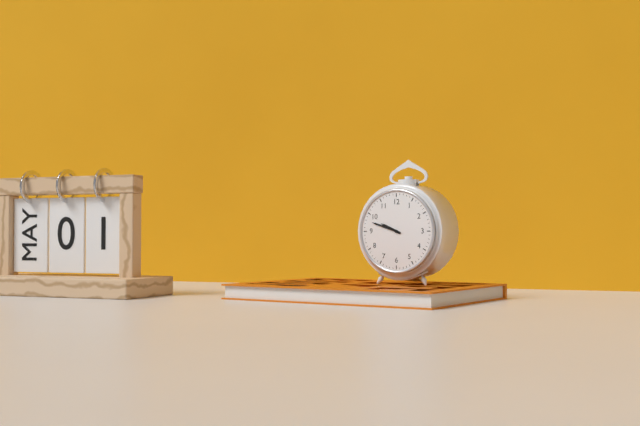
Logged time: 9 h 48 min
